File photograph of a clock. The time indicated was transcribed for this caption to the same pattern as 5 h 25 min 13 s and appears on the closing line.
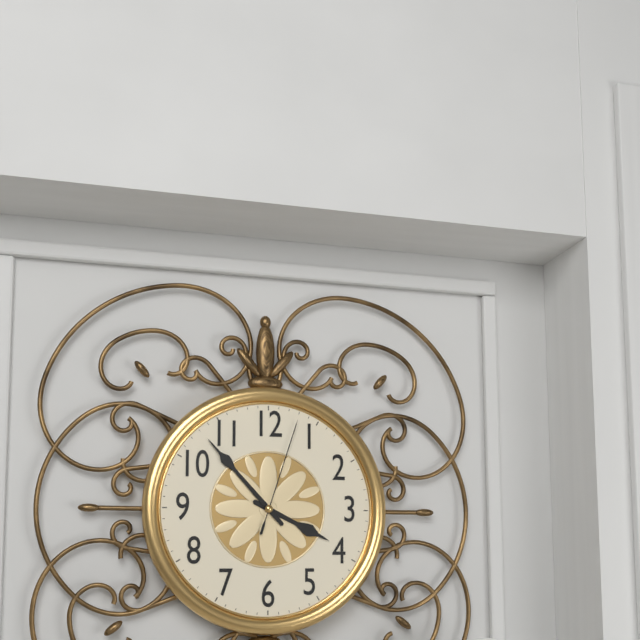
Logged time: 3 h 53 min 03 s
